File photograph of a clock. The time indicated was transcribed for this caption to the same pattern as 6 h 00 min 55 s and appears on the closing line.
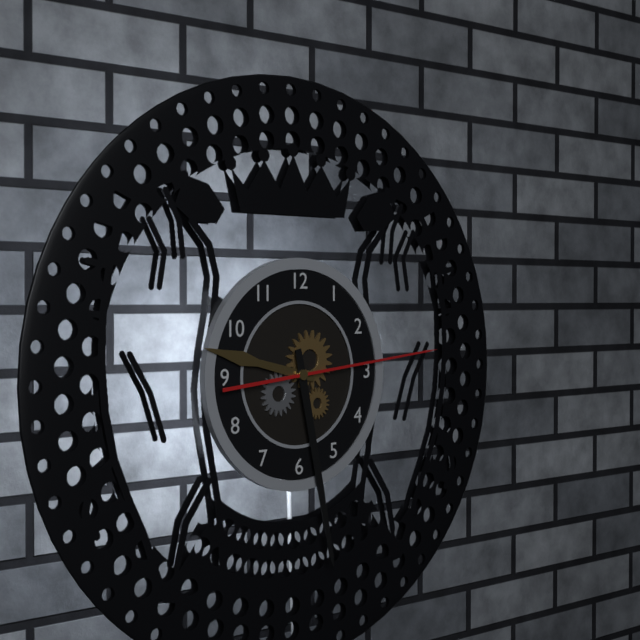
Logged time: 9 h 28 min 14 s
